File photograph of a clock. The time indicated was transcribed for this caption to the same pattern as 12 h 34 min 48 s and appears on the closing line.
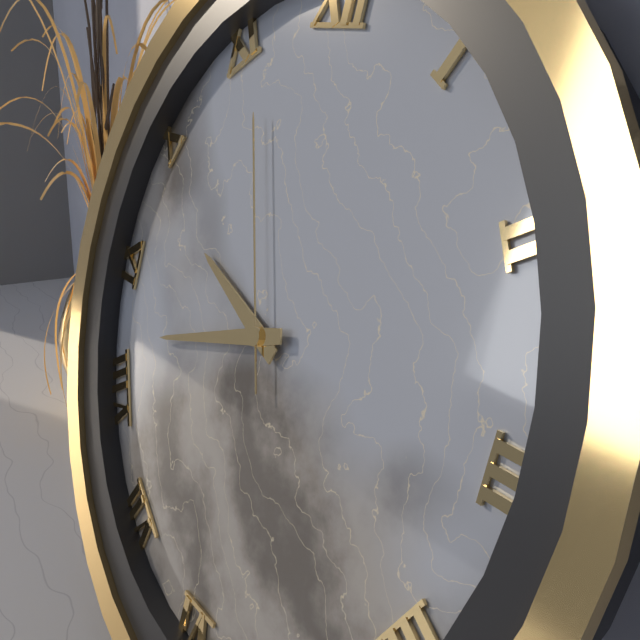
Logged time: 9 h 42 min 56 s
